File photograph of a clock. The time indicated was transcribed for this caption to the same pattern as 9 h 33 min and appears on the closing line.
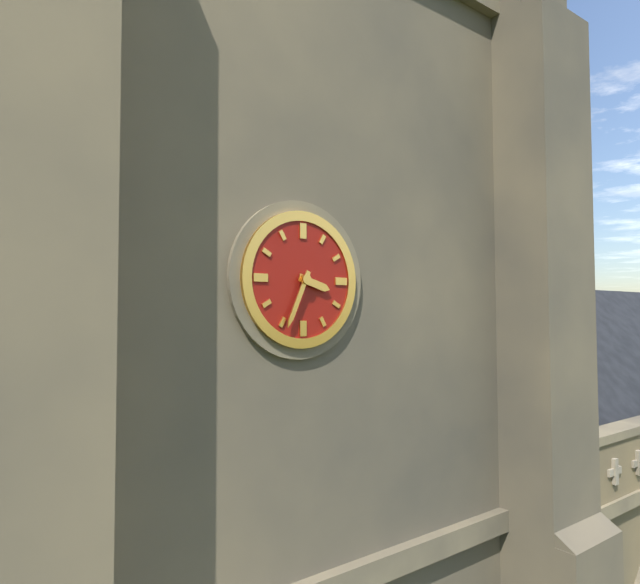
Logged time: 3 h 34 min
